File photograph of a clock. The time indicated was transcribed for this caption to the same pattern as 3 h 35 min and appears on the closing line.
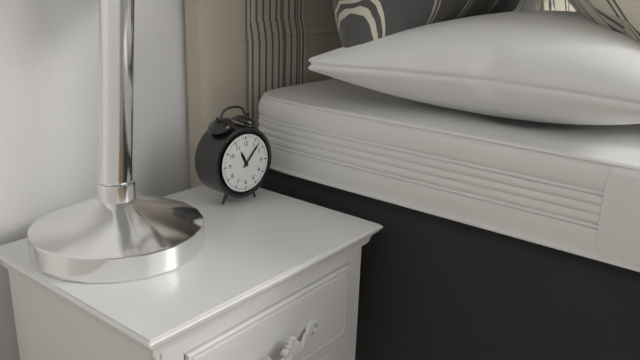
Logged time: 11 h 07 min
